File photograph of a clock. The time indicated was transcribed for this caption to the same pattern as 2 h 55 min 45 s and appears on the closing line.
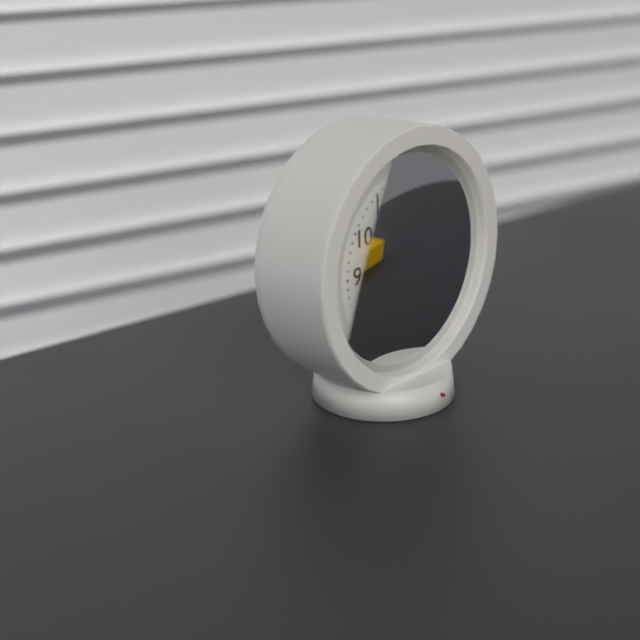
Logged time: 9 h 19 min 01 s
